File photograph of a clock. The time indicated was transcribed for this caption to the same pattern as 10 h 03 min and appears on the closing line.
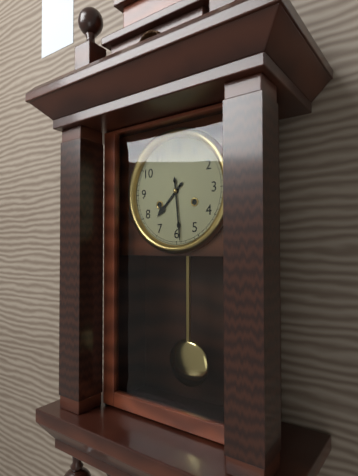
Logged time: 7 h 29 min
